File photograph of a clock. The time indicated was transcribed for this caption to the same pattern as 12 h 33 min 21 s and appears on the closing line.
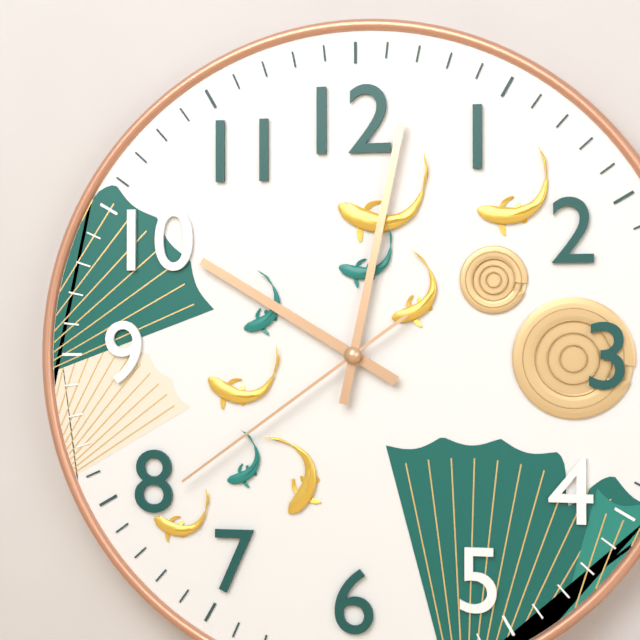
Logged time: 10 h 02 min 39 s
